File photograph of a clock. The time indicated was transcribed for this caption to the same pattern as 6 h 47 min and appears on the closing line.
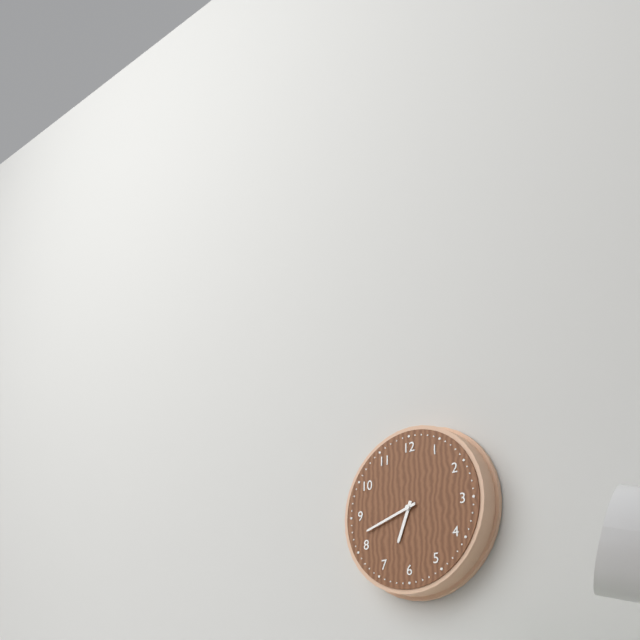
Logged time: 6 h 42 min
